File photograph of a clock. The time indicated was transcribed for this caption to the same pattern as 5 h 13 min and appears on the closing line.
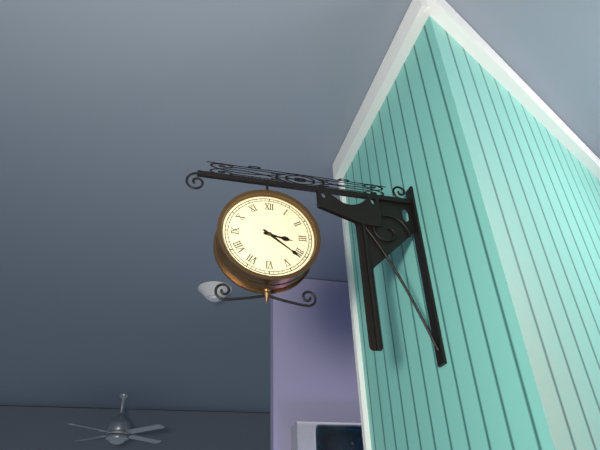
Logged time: 3 h 21 min
